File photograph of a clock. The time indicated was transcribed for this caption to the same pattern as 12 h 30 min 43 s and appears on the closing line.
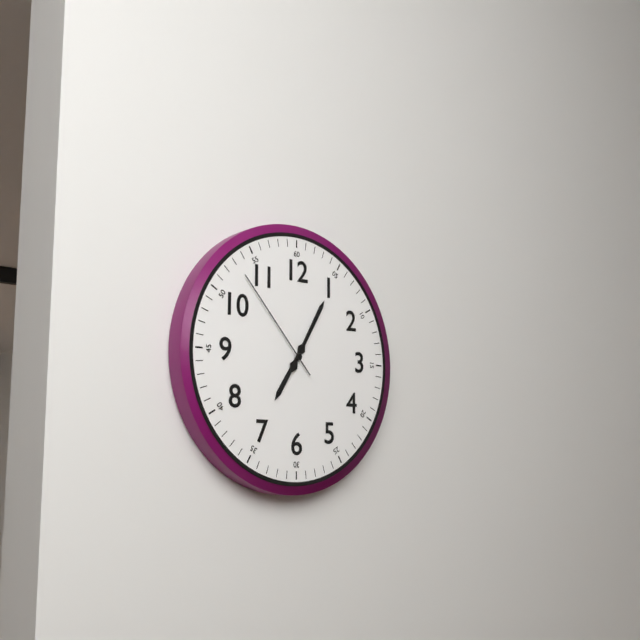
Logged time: 7 h 05 min 53 s
